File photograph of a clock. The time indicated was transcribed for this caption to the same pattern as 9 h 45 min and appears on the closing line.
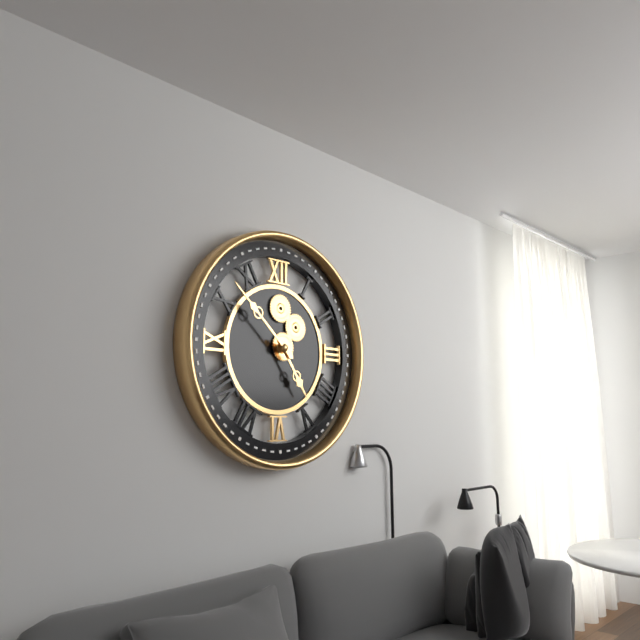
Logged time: 4 h 52 min
